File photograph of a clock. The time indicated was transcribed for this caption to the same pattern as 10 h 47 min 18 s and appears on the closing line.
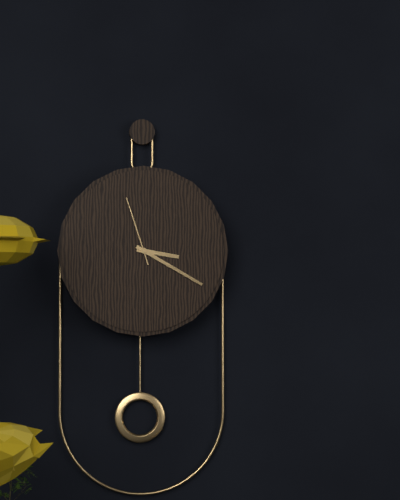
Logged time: 3 h 20 min 57 s
